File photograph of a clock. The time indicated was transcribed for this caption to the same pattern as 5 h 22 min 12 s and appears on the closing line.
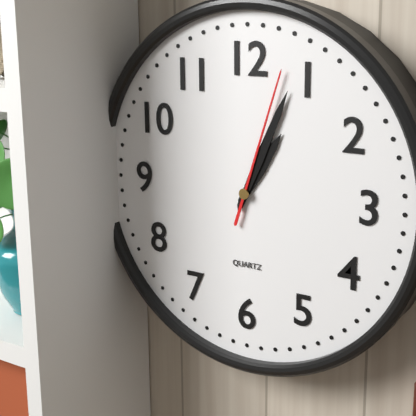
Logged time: 1 h 04 min 03 s
